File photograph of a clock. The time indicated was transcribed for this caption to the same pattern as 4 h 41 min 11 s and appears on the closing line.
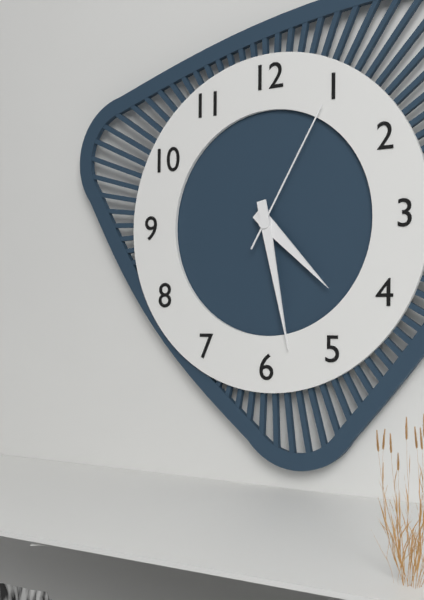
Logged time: 4 h 28 min 05 s
